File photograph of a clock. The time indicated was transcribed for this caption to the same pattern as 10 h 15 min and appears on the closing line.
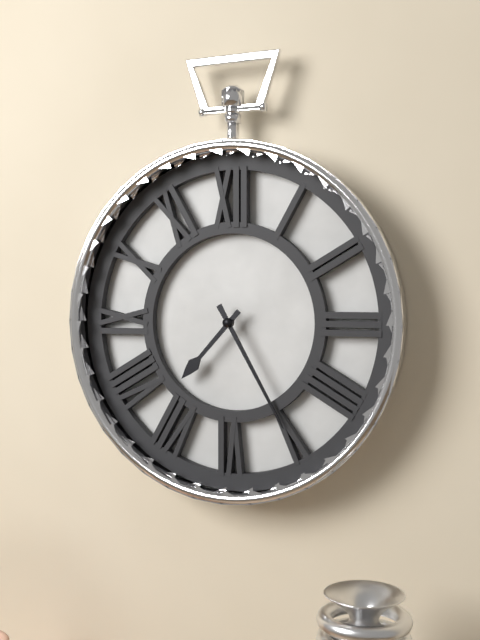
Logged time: 7 h 25 min
